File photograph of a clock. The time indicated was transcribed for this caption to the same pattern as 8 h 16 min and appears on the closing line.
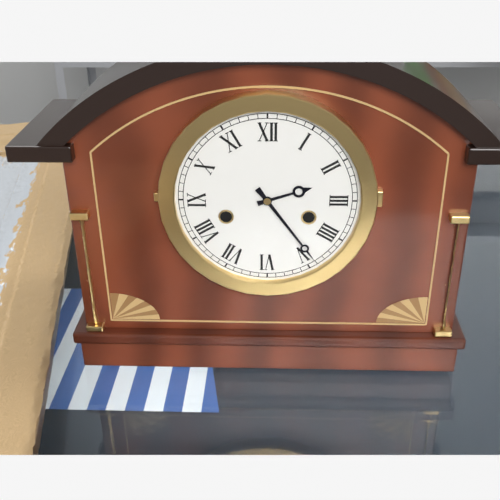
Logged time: 2 h 24 min
